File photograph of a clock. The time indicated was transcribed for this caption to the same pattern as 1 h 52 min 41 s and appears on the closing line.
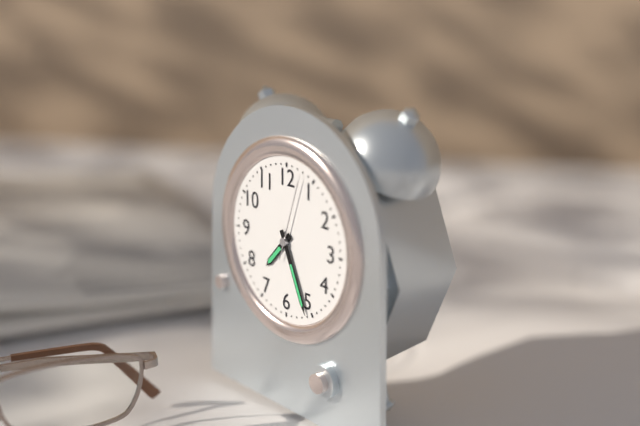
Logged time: 7 h 26 min 03 s
